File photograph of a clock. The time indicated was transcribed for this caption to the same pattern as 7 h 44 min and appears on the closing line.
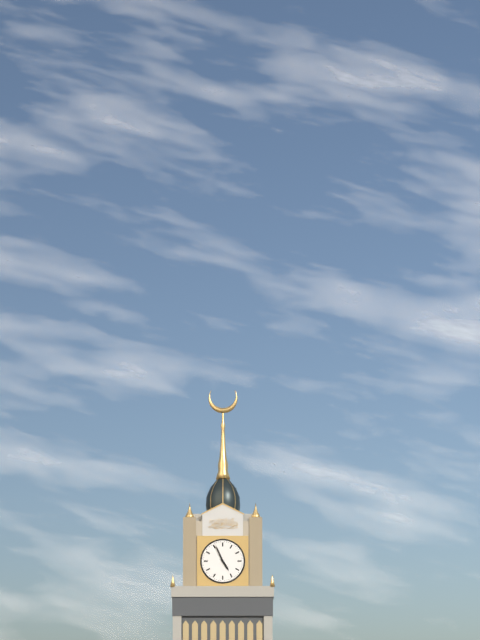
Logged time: 4 h 56 min
